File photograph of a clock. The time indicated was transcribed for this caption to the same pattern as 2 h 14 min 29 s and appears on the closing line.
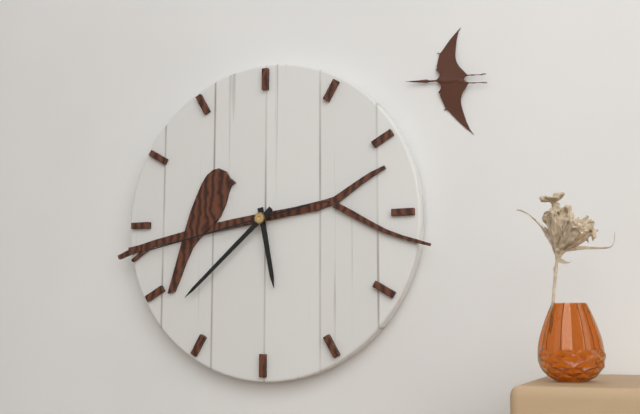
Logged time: 5 h 38 min 43 s
